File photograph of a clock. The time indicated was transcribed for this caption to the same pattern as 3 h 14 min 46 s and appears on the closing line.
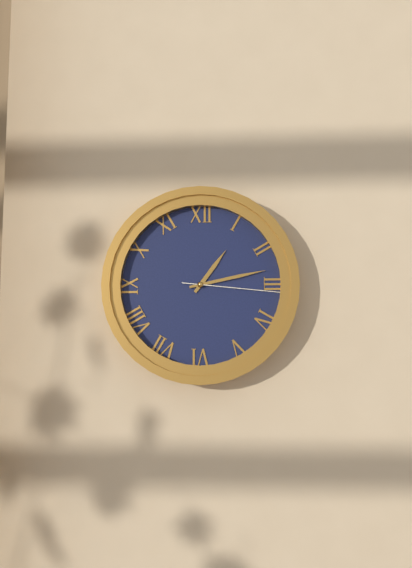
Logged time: 1 h 13 min 16 s
